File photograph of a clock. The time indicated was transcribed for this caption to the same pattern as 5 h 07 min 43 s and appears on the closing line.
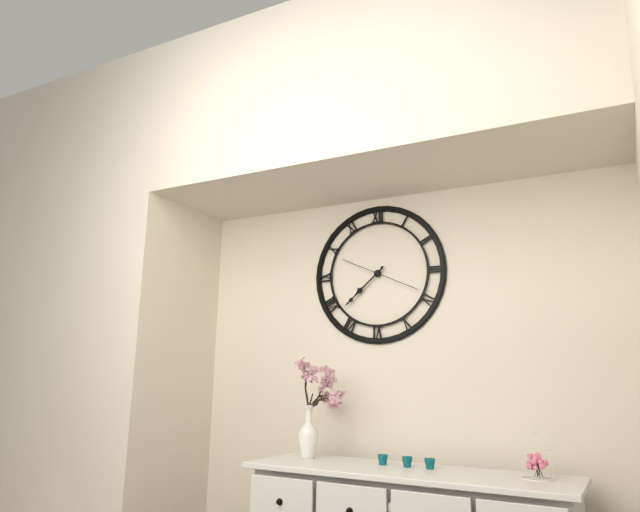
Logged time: 7 h 38 min 19 s
